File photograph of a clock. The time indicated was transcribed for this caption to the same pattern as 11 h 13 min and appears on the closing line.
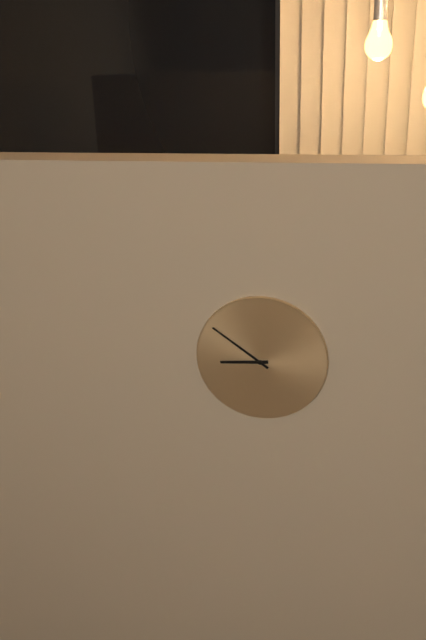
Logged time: 8 h 51 min
